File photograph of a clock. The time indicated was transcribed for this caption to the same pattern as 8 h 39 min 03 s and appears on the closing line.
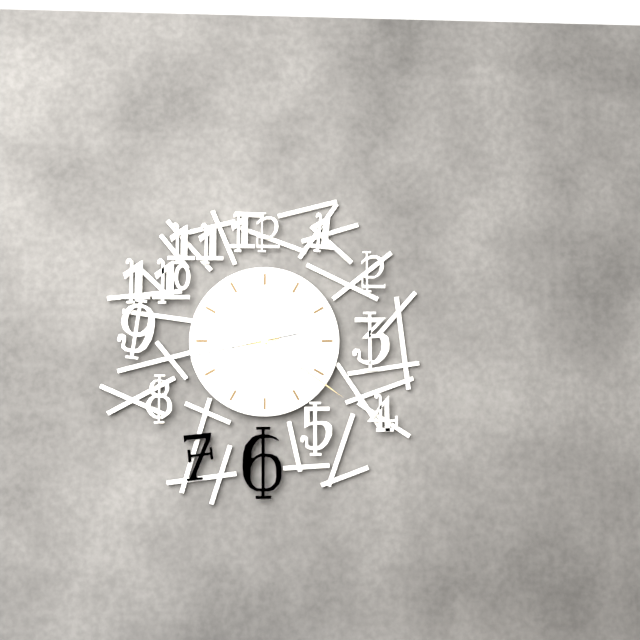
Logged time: 8 h 21 min 43 s
